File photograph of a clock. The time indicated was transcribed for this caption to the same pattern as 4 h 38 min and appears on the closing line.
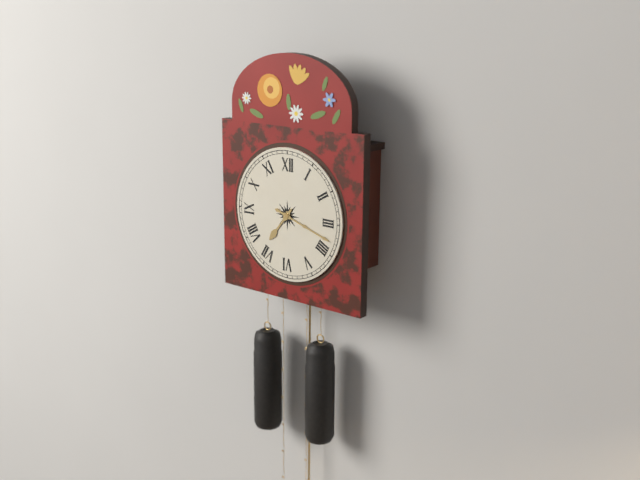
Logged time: 7 h 18 min
